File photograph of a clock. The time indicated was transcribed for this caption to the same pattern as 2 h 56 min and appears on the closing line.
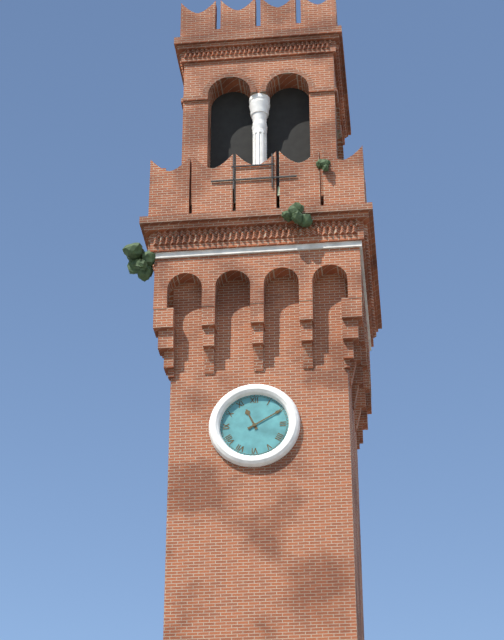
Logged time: 11 h 10 min
